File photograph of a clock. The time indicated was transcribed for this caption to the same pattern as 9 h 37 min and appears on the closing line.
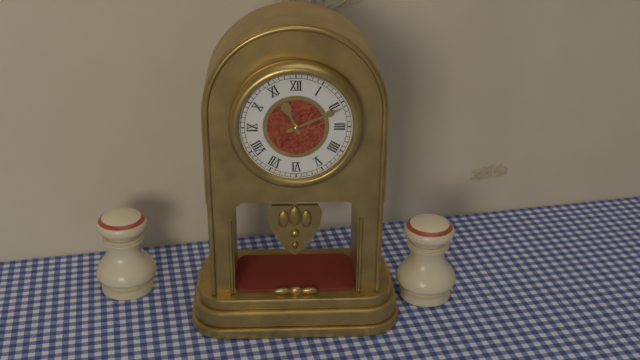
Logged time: 11 h 11 min
